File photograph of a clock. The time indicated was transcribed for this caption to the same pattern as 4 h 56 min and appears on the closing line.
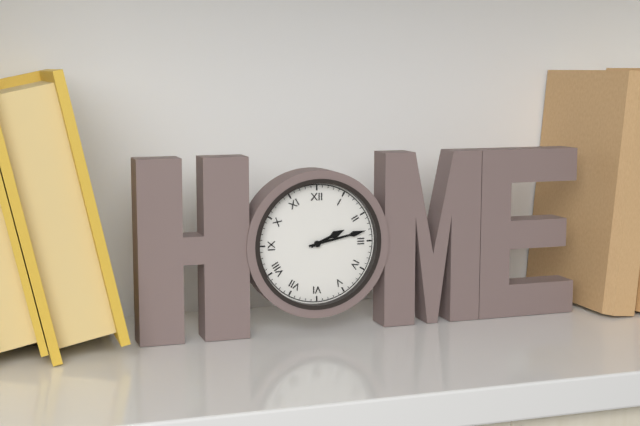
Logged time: 2 h 13 min
